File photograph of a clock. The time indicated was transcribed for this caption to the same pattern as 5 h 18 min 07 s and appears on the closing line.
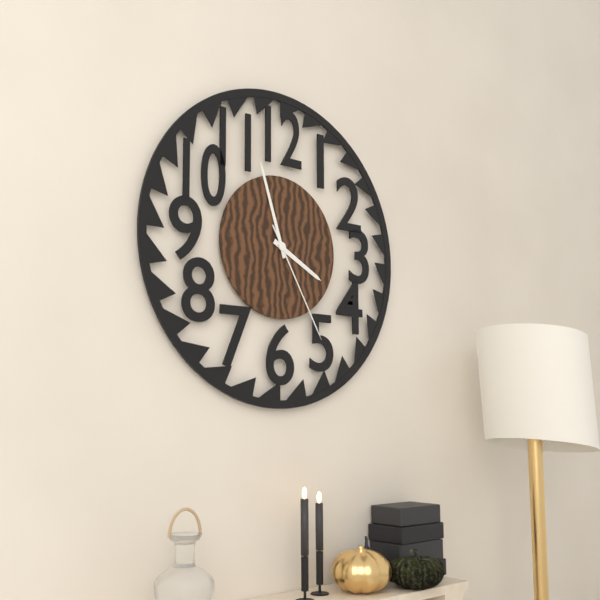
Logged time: 3 h 57 min 25 s
